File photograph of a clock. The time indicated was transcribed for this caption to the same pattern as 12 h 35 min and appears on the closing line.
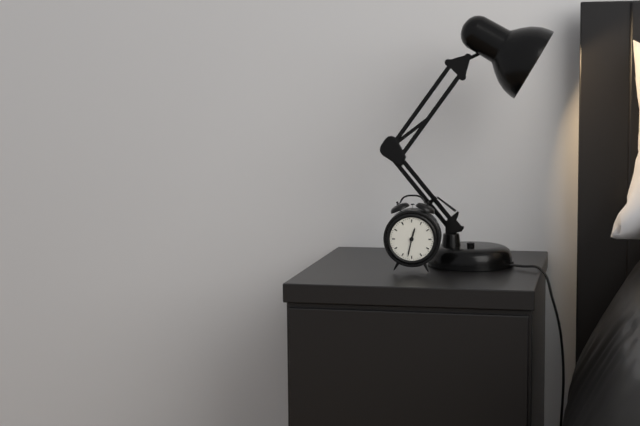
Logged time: 12 h 32 min
